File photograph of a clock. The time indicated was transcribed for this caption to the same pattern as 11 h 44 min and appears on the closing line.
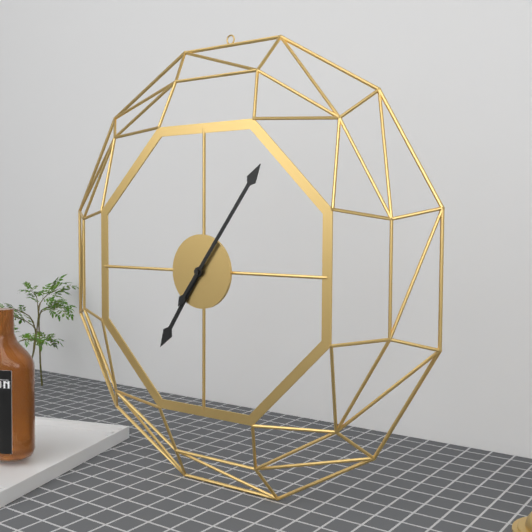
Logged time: 7 h 06 min
